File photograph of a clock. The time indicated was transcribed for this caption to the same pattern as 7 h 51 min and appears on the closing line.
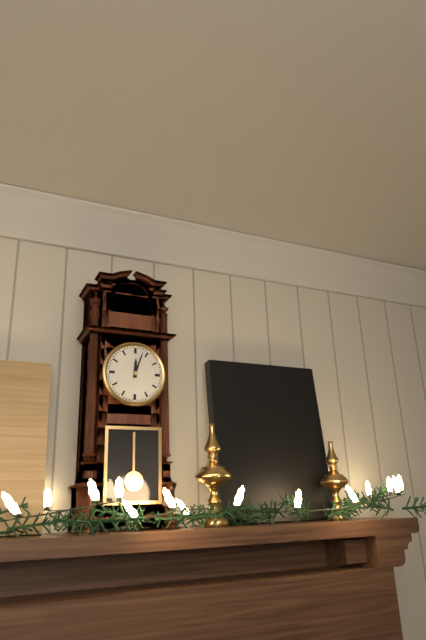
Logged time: 12 h 03 min
